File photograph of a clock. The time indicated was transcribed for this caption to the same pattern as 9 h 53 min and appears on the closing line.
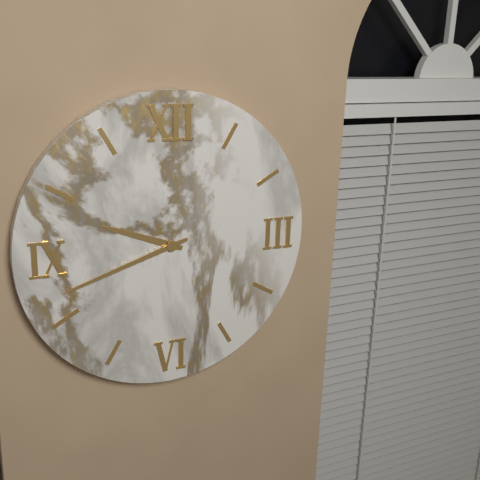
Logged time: 9 h 42 min
